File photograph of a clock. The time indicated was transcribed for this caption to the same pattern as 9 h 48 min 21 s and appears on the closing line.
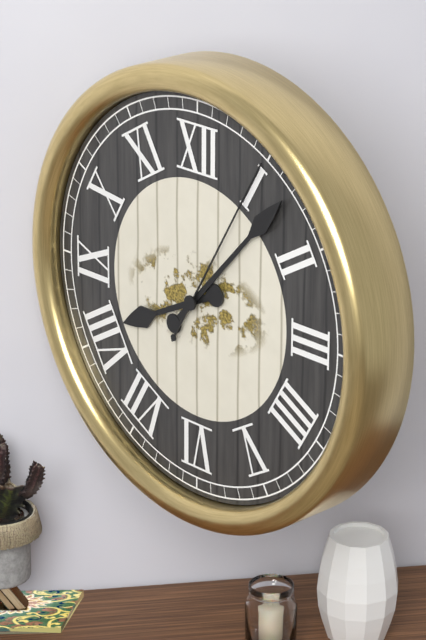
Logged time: 8 h 07 min 05 s
